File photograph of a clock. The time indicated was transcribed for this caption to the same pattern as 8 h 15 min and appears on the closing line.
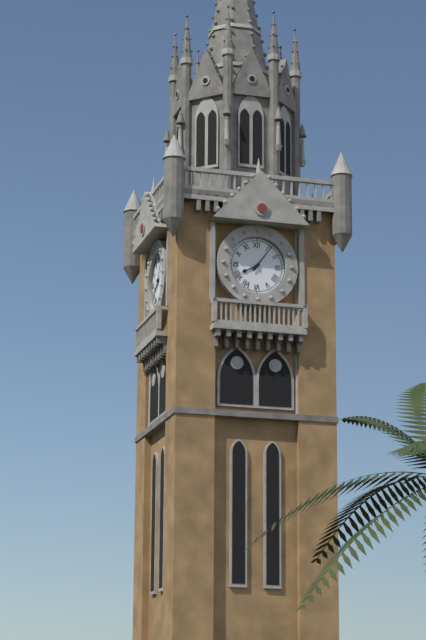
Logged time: 8 h 06 min
